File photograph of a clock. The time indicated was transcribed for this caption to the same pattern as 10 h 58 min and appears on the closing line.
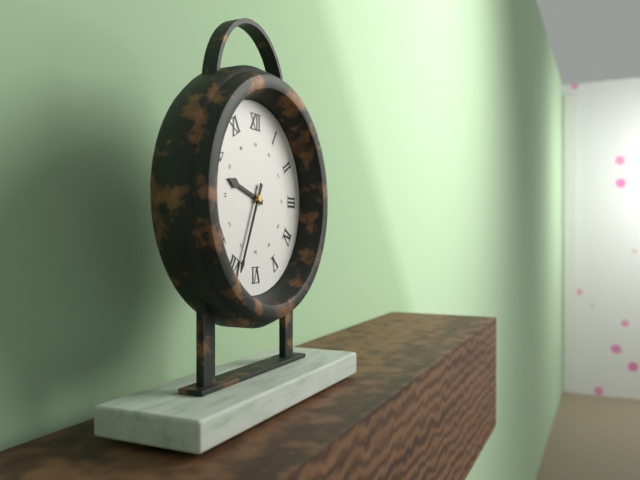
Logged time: 9 h 34 min
